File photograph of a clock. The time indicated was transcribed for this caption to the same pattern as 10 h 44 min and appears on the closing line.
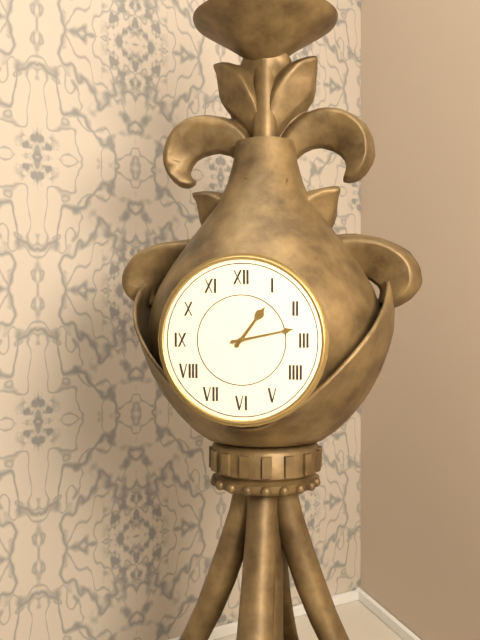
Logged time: 1 h 13 min
